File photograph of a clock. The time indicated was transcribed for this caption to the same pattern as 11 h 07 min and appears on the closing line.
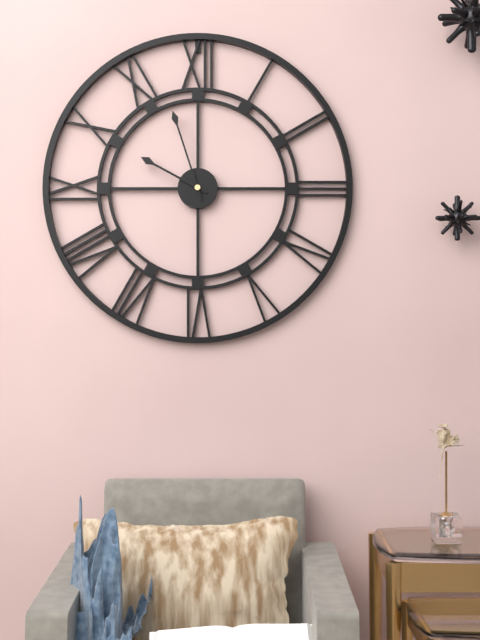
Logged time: 9 h 57 min
